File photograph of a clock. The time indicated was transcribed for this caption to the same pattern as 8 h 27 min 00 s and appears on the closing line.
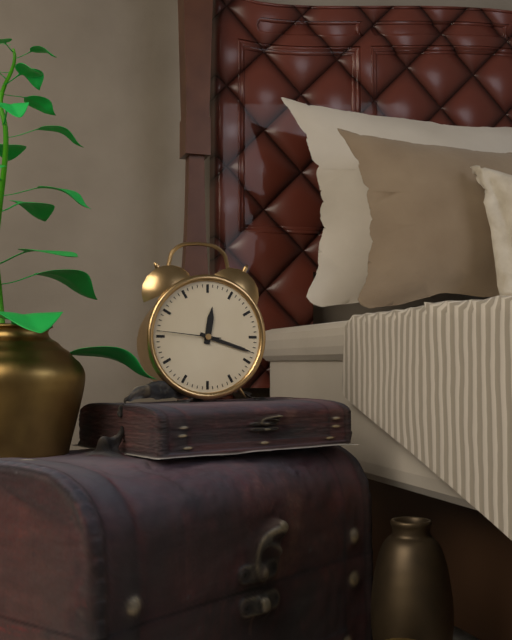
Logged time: 12 h 18 min 46 s
